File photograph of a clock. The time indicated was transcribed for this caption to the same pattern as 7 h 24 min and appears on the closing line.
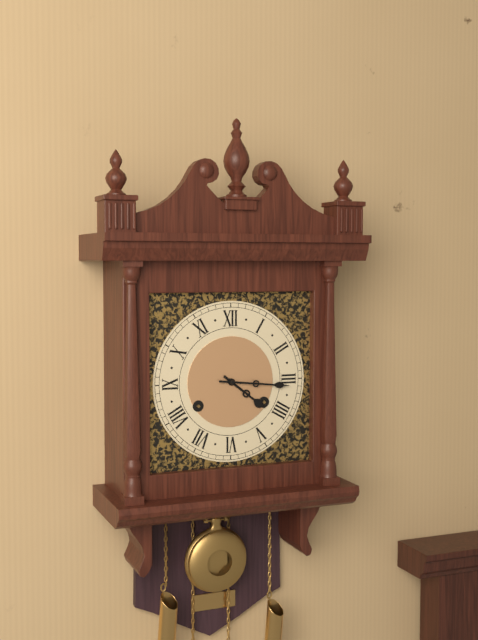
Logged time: 4 h 16 min
